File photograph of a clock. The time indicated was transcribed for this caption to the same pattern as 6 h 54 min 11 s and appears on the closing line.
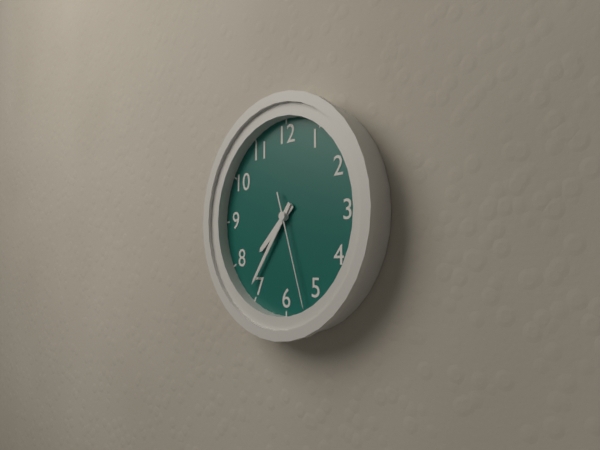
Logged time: 7 h 36 min 27 s
